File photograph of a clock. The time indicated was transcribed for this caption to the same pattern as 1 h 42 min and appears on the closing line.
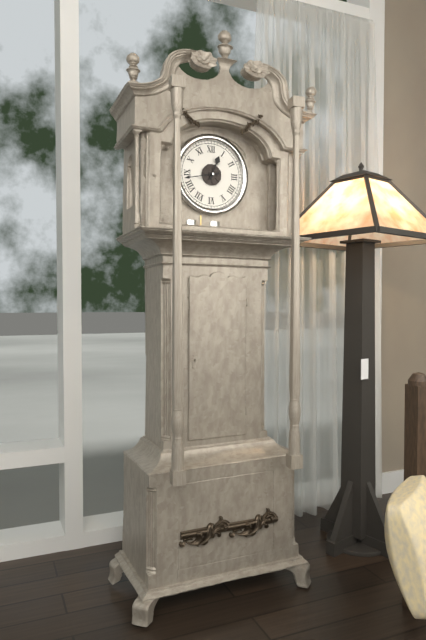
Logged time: 12 h 43 min
